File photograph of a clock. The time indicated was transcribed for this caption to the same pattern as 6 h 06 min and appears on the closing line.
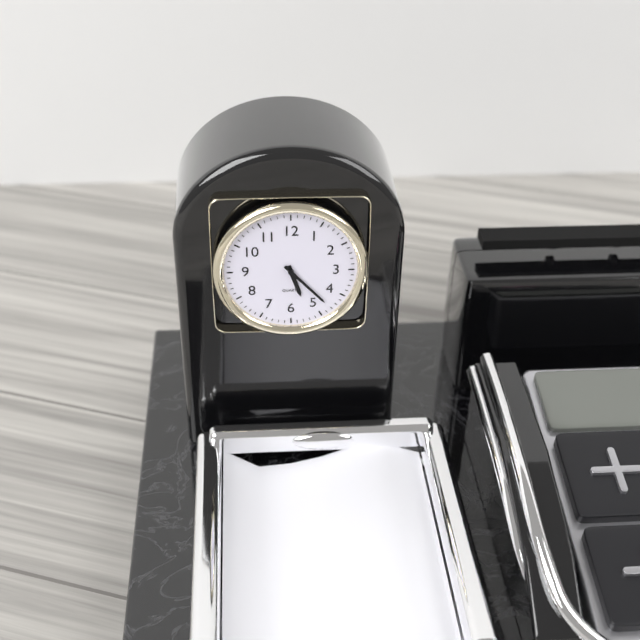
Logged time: 5 h 23 min
